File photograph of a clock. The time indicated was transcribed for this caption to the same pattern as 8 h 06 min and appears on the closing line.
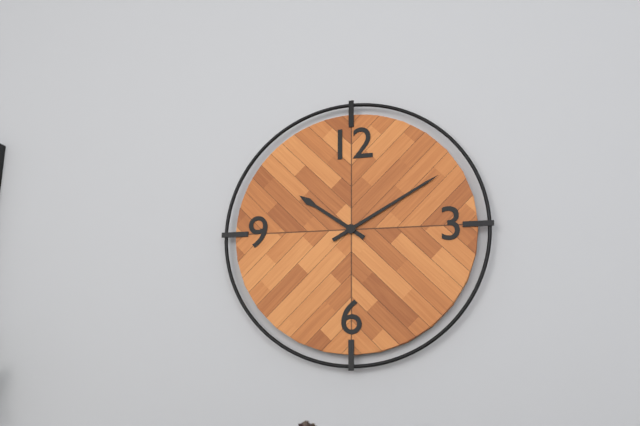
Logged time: 10 h 10 min
